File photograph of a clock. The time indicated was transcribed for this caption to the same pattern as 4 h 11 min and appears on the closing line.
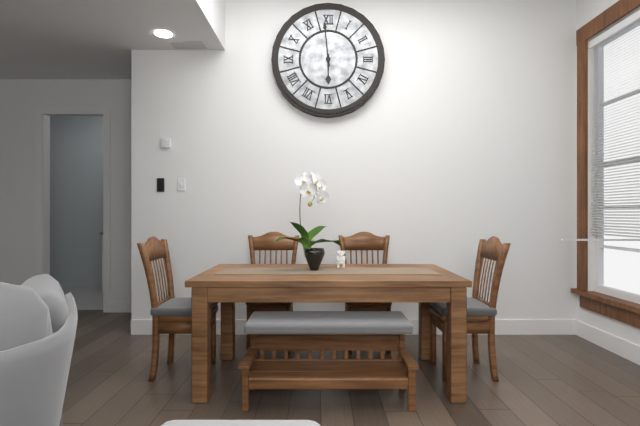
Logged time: 5 h 59 min
